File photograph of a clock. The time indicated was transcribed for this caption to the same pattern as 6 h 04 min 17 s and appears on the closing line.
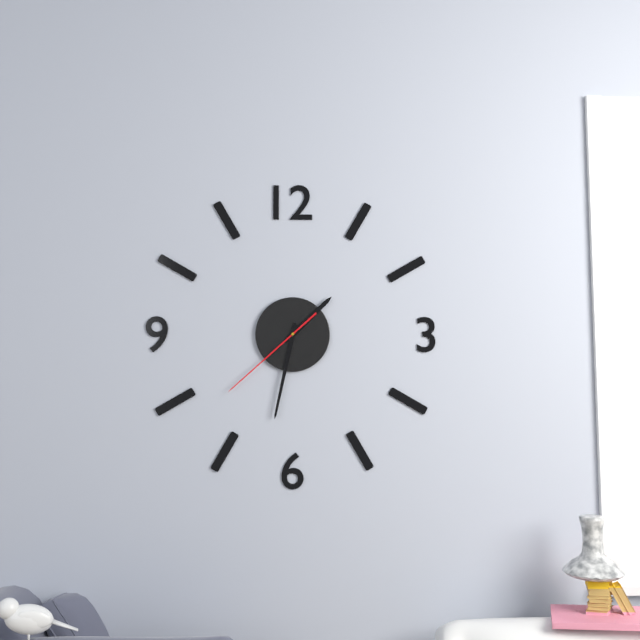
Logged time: 1 h 32 min 38 s
